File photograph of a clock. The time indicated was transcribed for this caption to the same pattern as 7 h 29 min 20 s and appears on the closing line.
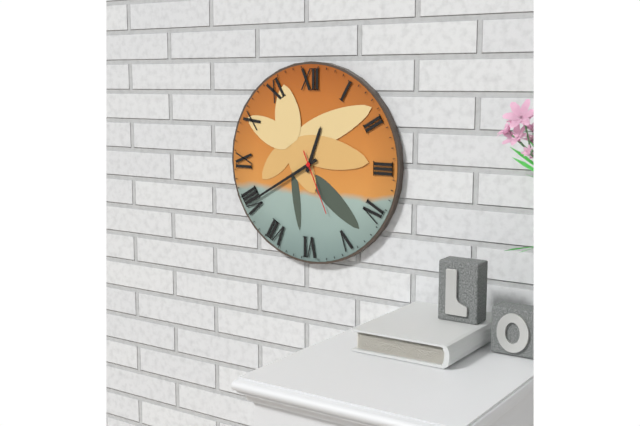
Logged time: 12 h 40 min 26 s
